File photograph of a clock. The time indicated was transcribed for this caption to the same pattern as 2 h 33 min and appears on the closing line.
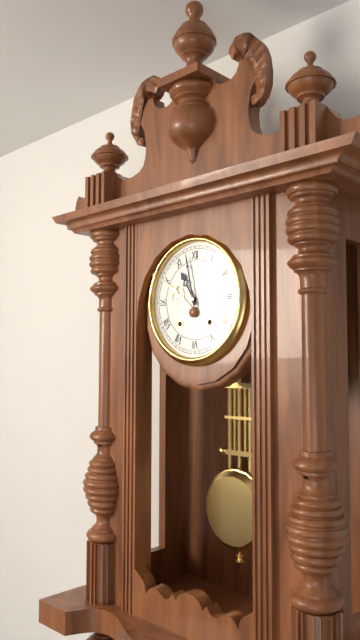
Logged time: 10 h 58 min
